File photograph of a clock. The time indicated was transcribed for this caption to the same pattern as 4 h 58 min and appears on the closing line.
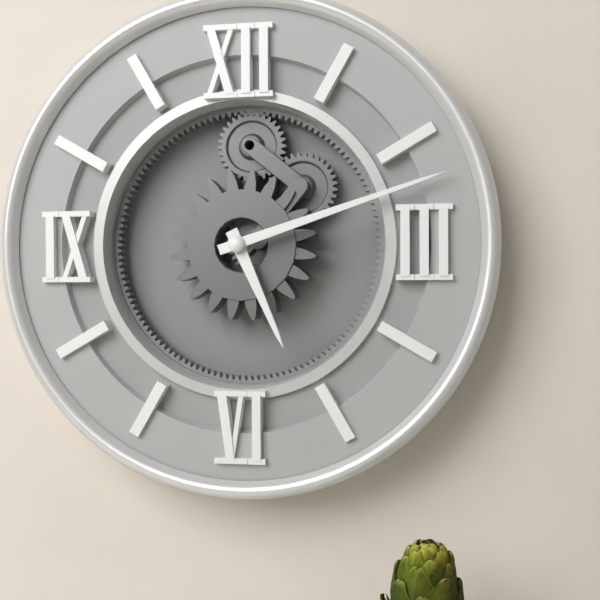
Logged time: 5 h 12 min
